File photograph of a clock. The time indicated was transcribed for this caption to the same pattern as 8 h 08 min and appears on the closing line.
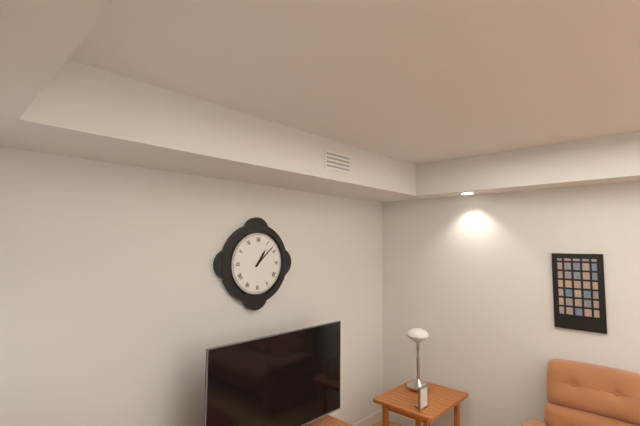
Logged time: 1 h 08 min
